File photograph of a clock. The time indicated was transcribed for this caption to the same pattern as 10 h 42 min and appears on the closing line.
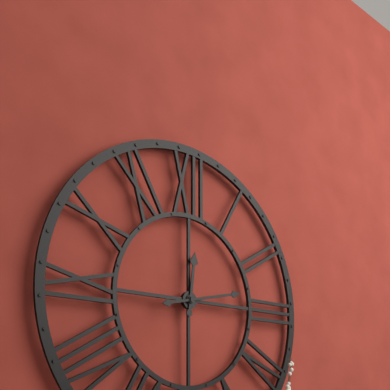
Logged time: 12 h 13 min
